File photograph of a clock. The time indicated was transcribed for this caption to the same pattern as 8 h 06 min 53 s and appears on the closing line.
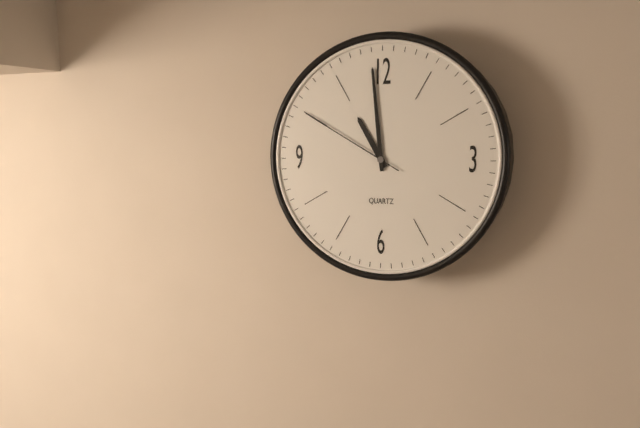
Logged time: 10 h 59 min 50 s
